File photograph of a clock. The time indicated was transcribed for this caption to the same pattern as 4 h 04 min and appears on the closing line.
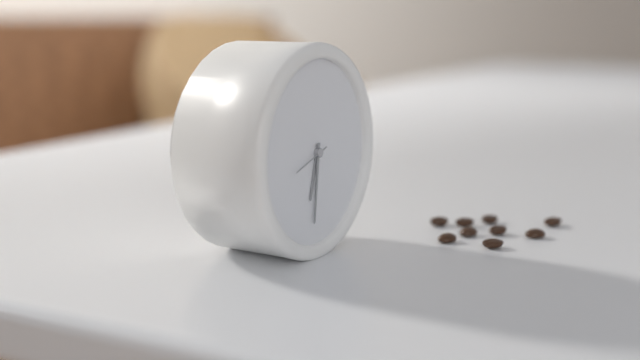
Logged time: 6 h 31 min
